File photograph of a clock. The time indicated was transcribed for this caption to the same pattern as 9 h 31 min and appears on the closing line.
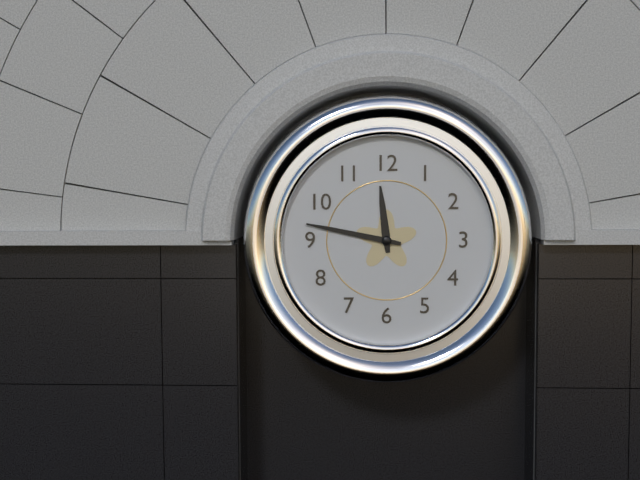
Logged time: 11 h 47 min
